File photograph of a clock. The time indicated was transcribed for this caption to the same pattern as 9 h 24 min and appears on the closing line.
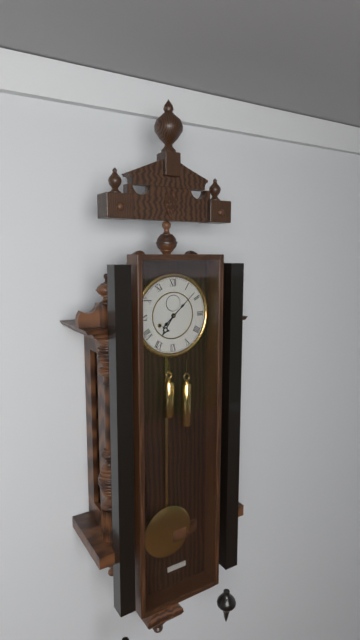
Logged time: 7 h 08 min
